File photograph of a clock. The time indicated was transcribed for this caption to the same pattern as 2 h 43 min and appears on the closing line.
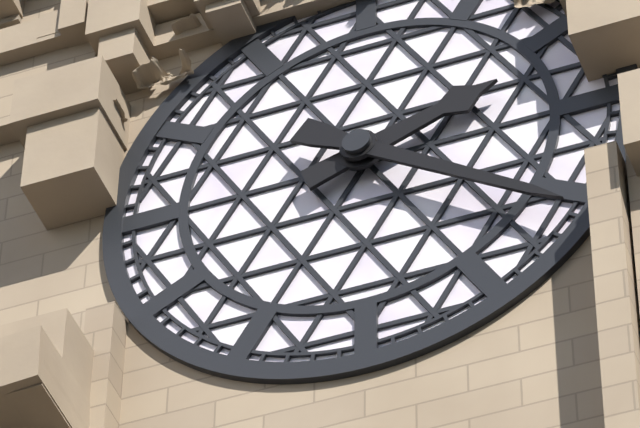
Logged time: 2 h 21 min
